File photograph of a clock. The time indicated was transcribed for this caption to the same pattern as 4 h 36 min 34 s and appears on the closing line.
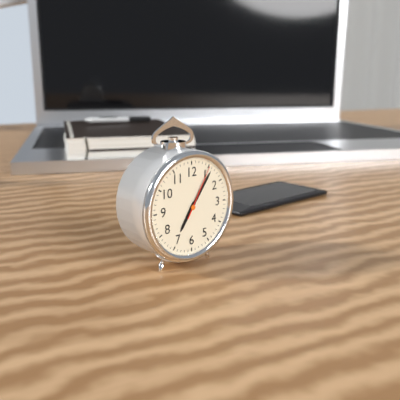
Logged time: 7 h 06 min 05 s
